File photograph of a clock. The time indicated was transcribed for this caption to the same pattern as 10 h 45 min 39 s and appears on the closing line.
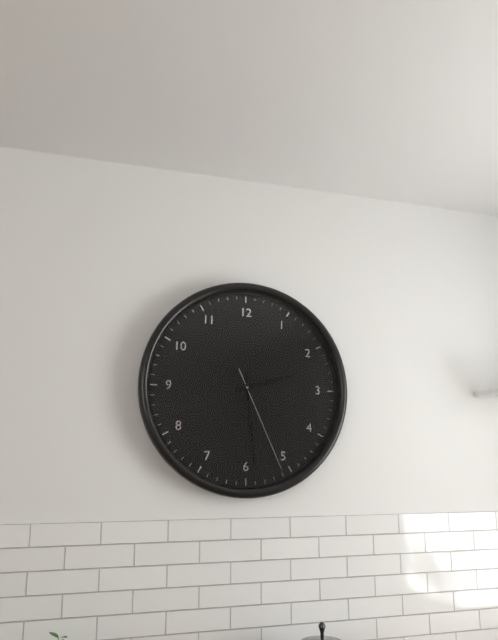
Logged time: 2 h 29 min 26 s
